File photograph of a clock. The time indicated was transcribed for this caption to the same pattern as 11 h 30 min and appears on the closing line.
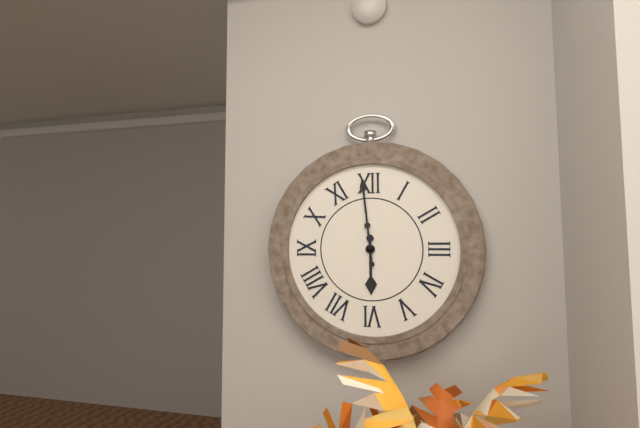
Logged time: 5 h 59 min
